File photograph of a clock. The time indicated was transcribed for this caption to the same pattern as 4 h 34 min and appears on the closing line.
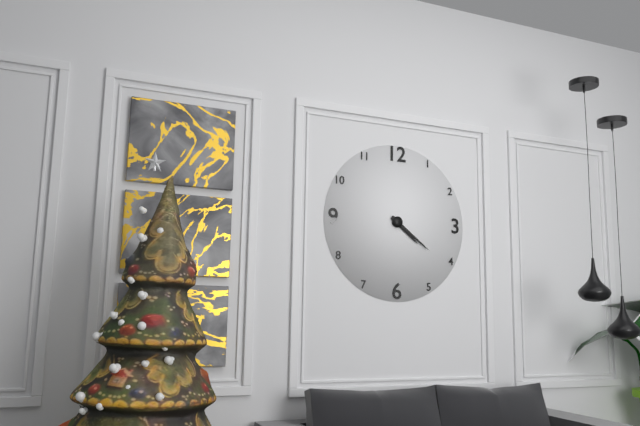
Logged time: 4 h 21 min
